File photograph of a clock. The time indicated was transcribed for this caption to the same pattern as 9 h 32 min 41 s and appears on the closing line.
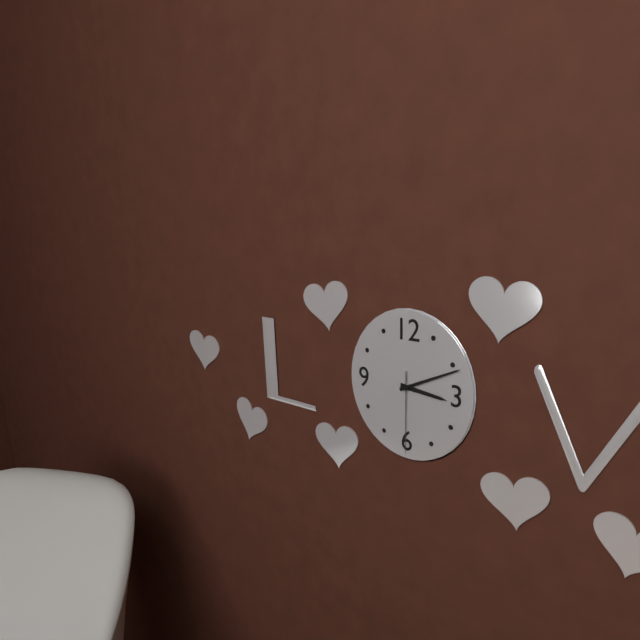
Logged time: 3 h 11 min 30 s
